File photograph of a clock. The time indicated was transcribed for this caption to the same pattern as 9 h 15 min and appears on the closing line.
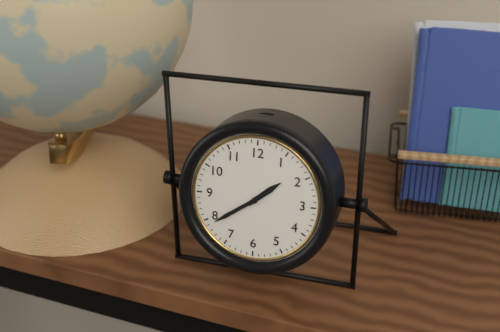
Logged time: 1 h 39 min
